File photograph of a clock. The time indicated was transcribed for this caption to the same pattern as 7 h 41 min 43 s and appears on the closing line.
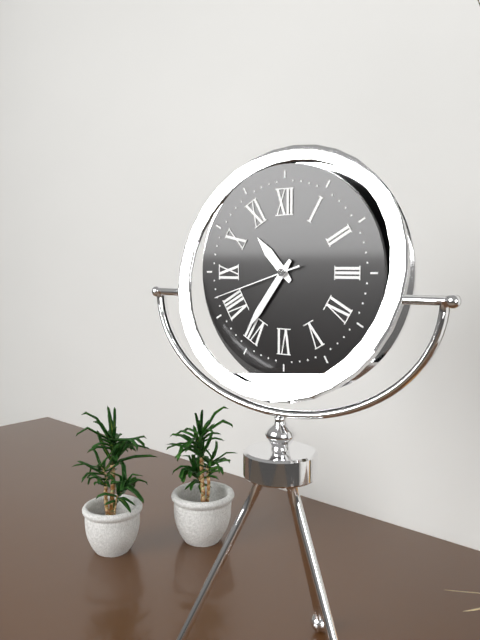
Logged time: 10 h 36 min 42 s
